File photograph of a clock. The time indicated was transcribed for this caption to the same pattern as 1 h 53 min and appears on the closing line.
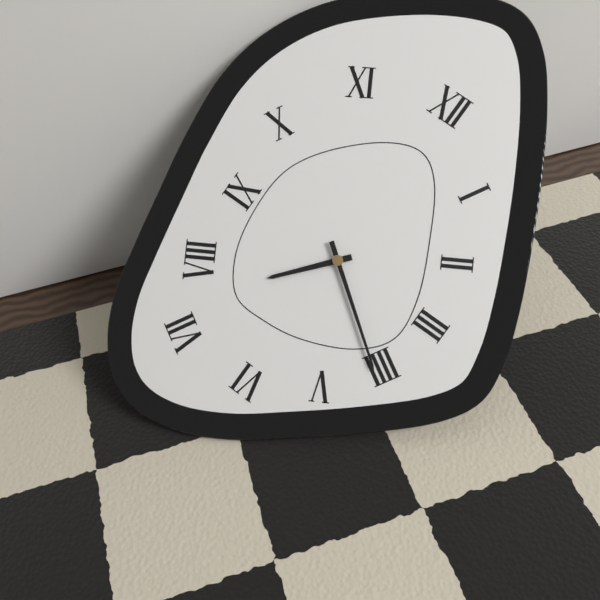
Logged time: 7 h 21 min
